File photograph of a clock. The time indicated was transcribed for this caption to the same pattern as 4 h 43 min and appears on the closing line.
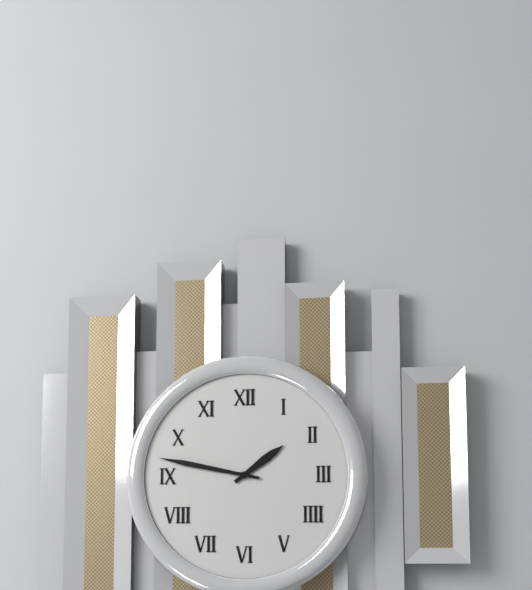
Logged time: 1 h 47 min
